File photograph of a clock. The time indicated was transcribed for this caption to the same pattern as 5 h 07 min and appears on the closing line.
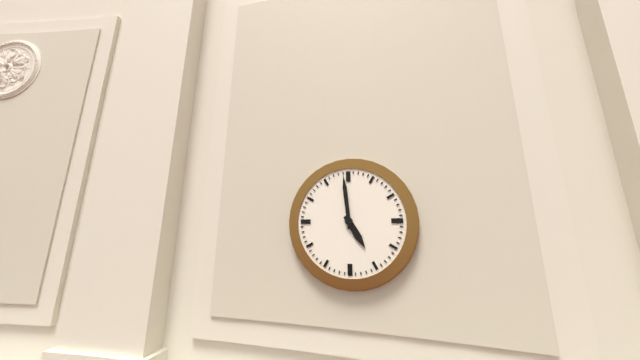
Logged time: 4 h 59 min
